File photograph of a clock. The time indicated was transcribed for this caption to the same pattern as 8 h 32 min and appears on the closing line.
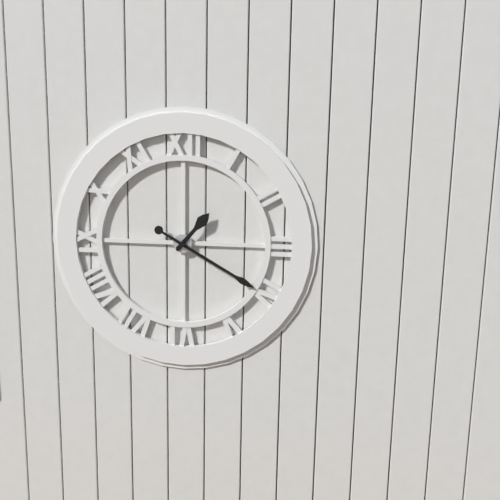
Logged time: 1 h 20 min
